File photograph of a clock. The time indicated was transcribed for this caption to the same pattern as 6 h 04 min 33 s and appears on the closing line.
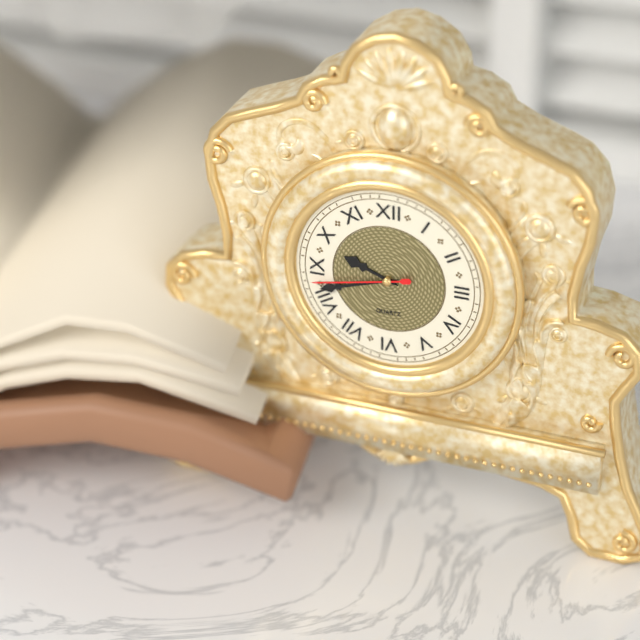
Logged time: 9 h 42 min 43 s
